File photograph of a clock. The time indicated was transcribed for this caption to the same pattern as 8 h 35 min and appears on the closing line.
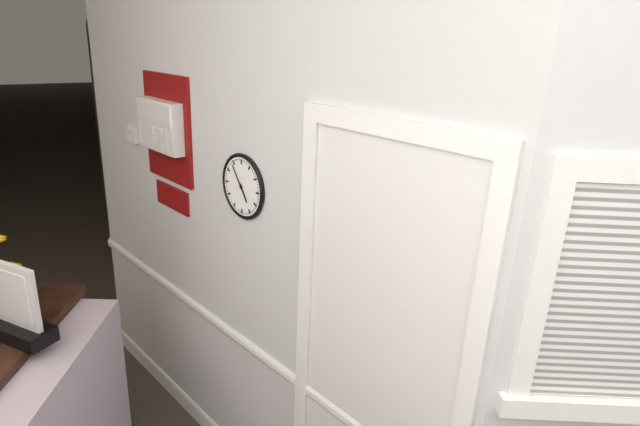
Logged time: 4 h 54 min
